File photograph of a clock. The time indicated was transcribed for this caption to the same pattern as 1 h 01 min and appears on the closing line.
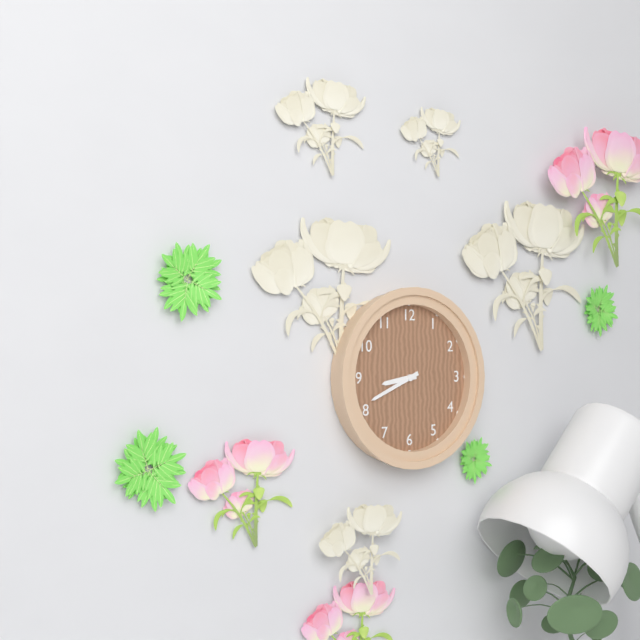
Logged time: 8 h 41 min
